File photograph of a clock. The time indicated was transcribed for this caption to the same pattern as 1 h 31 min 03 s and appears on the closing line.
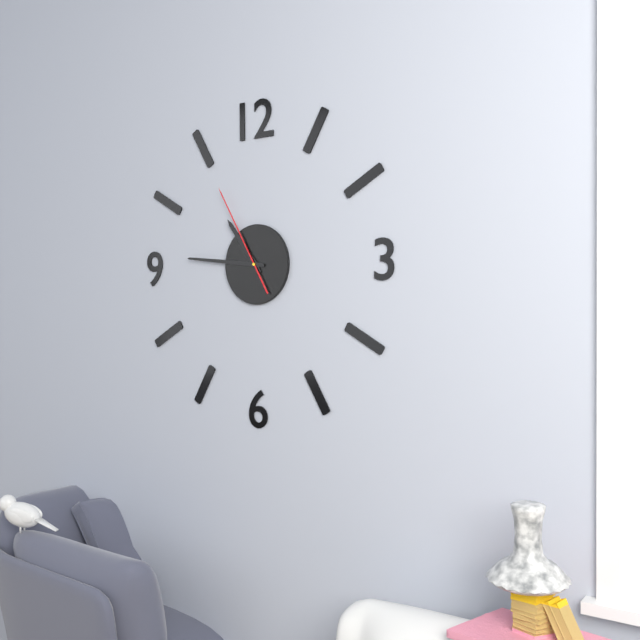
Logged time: 10 h 46 min 55 s
